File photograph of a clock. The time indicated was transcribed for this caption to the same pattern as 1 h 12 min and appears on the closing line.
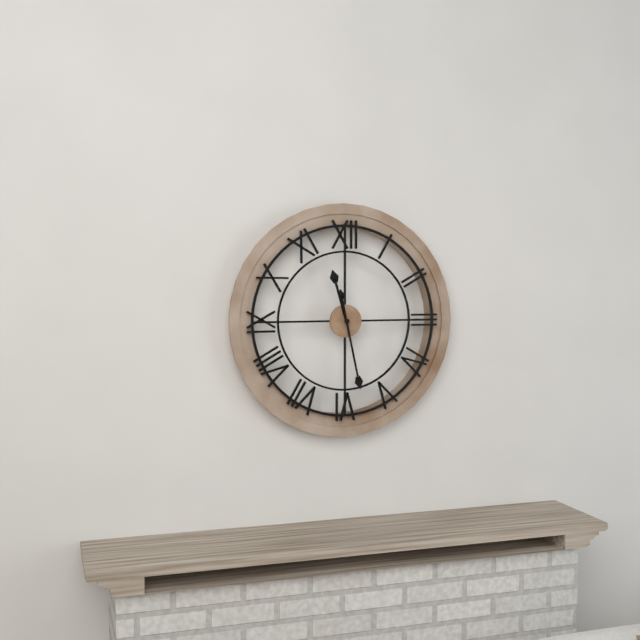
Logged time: 11 h 28 min
